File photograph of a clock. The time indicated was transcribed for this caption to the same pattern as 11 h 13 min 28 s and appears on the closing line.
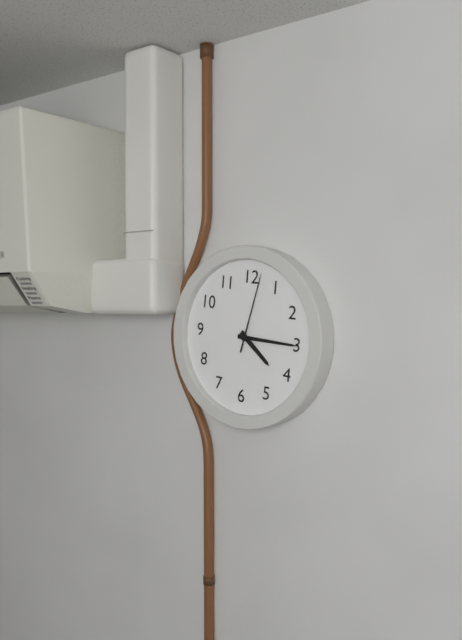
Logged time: 4 h 15 min 02 s
